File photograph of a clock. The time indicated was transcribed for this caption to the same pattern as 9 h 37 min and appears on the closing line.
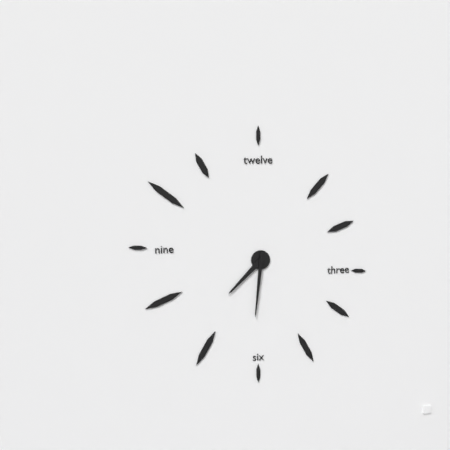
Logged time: 7 h 31 min
